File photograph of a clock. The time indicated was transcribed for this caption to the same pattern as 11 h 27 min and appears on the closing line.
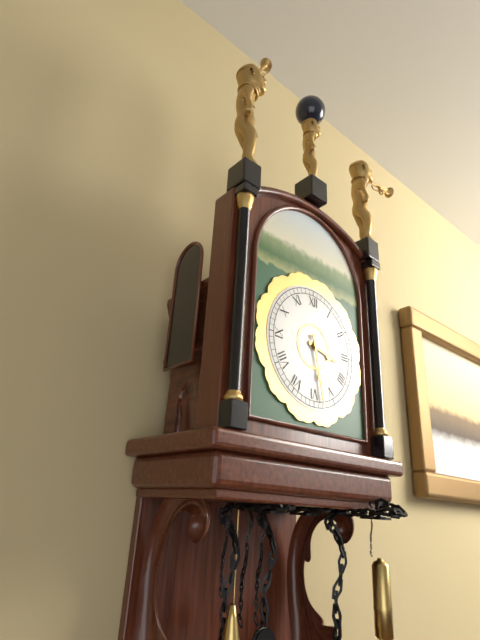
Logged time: 3 h 28 min
